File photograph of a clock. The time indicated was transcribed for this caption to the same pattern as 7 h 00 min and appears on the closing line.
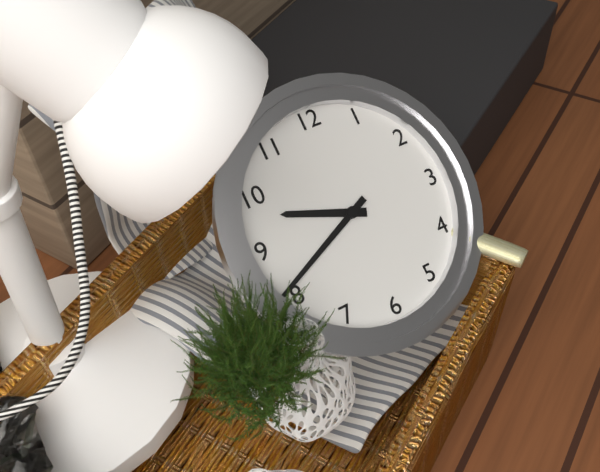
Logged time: 9 h 41 min
